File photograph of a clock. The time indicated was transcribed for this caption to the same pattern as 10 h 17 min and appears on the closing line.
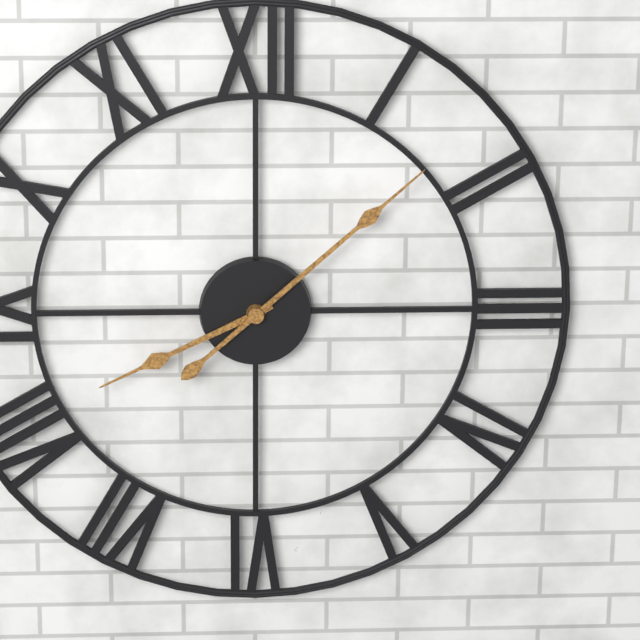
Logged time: 8 h 08 min
